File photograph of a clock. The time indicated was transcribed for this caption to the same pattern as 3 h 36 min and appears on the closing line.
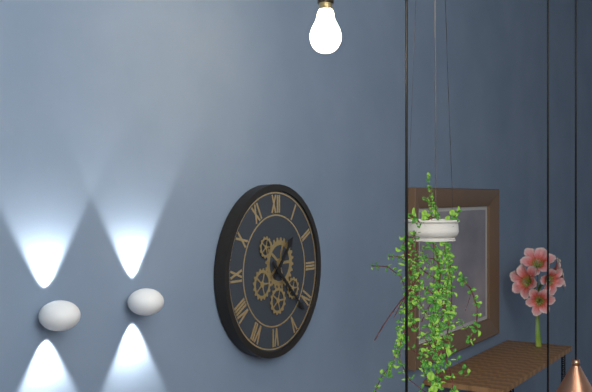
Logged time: 1 h 22 min
